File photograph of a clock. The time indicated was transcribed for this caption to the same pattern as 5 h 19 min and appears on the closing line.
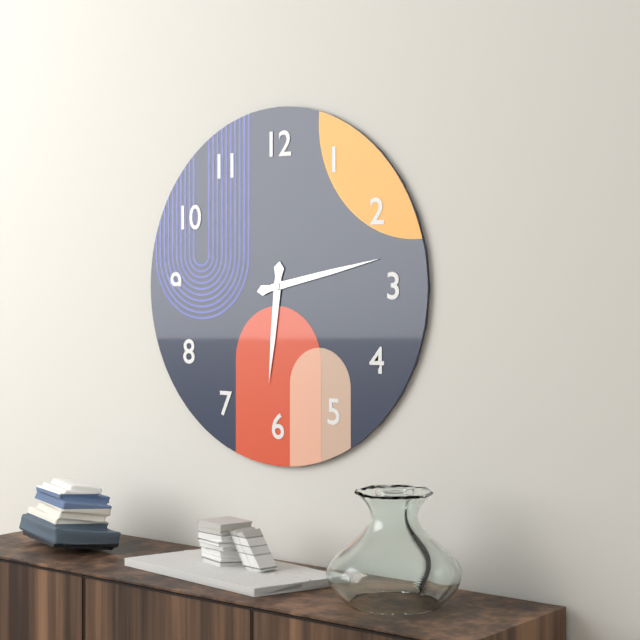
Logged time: 6 h 13 min
